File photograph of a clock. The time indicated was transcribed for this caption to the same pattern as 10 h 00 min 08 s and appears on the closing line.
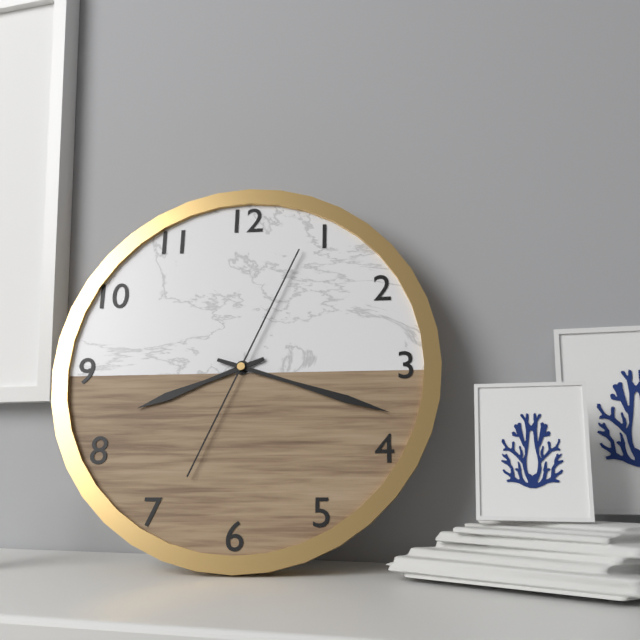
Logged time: 8 h 18 min 04 s
